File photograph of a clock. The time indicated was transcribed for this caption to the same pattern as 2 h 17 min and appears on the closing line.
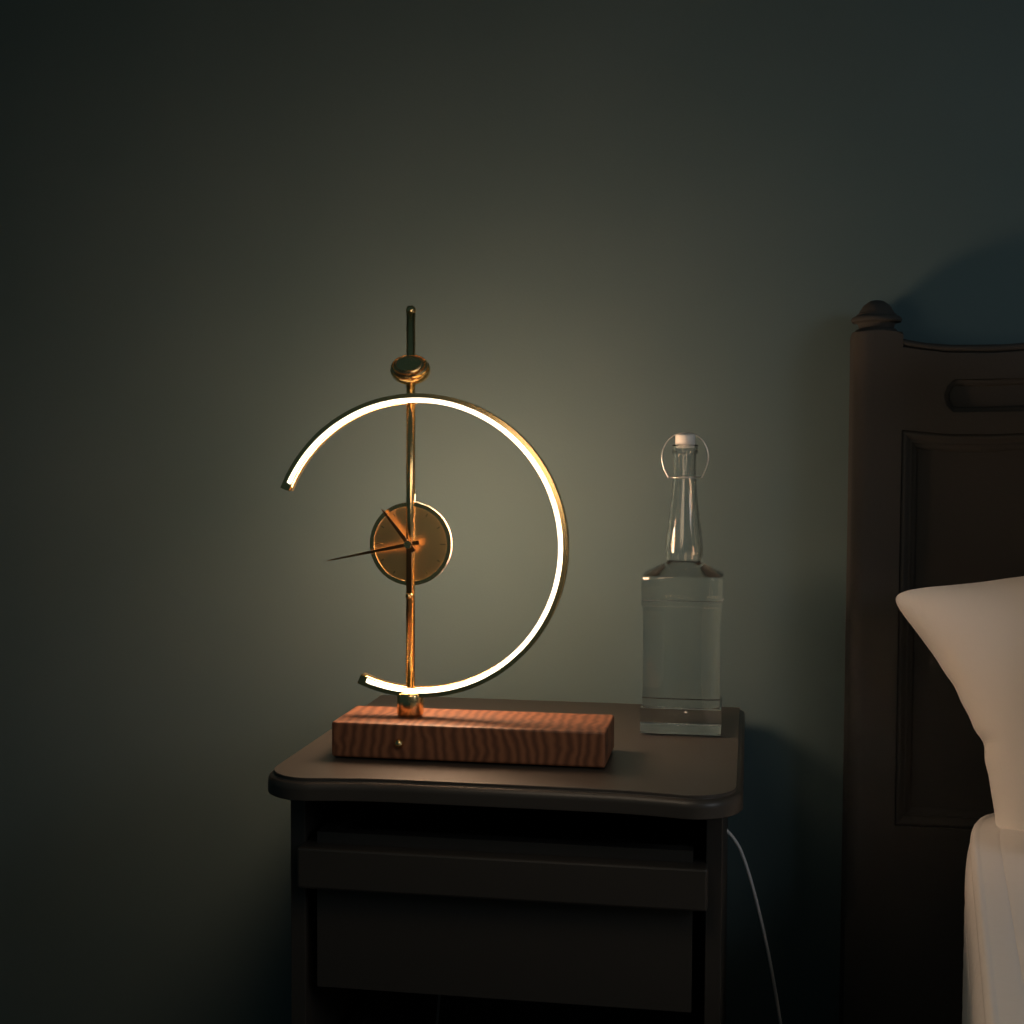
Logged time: 10 h 43 min
